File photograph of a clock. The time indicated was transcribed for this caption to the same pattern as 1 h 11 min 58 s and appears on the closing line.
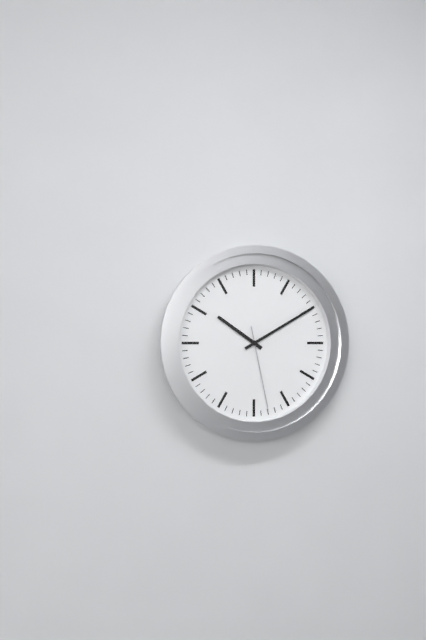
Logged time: 10 h 10 min 28 s
